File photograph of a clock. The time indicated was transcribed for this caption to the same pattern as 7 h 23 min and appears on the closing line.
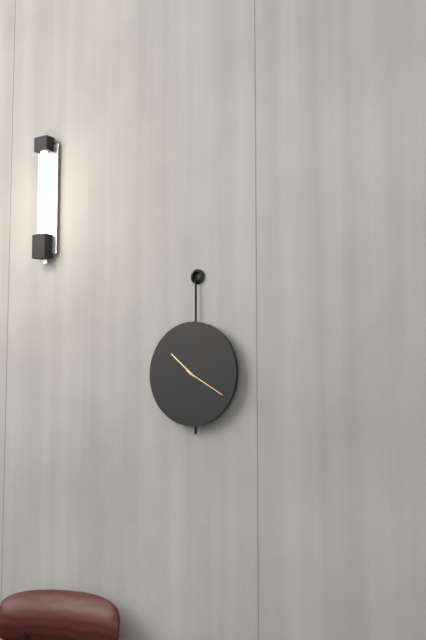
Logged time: 10 h 20 min
